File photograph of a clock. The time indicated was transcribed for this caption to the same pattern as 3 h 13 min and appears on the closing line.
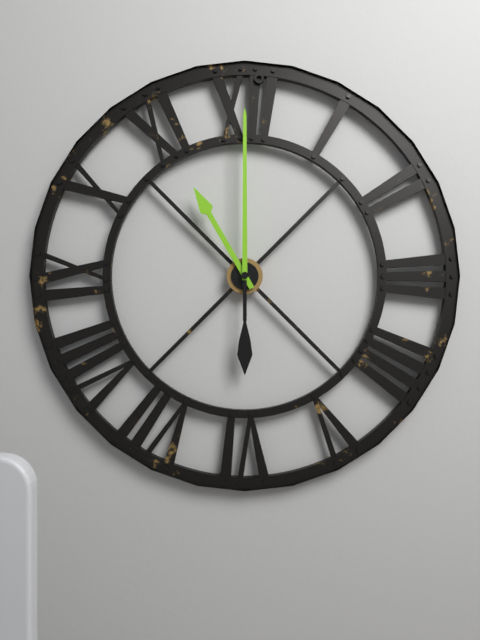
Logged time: 11 h 00 min
